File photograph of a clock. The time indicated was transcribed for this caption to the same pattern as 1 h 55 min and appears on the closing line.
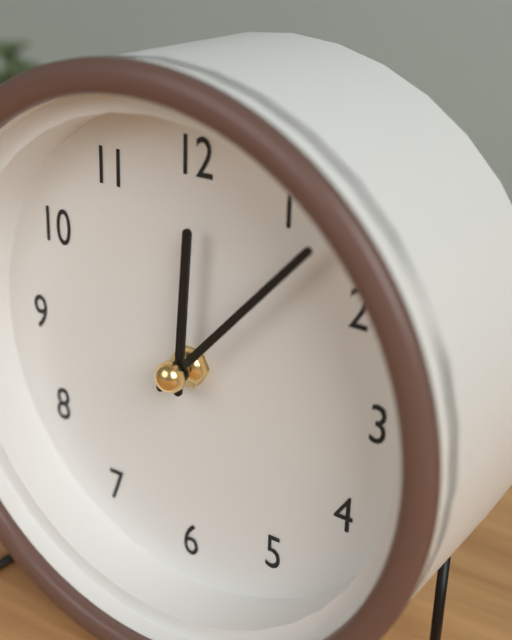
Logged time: 12 h 07 min
